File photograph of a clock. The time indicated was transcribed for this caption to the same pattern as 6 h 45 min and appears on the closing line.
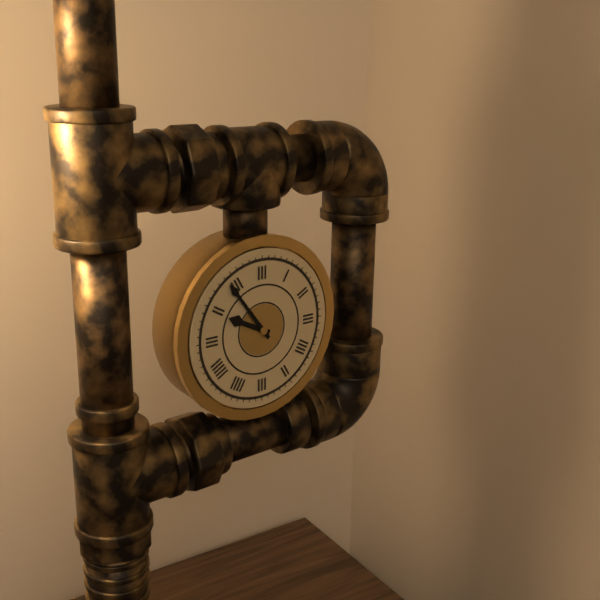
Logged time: 9 h 54 min
